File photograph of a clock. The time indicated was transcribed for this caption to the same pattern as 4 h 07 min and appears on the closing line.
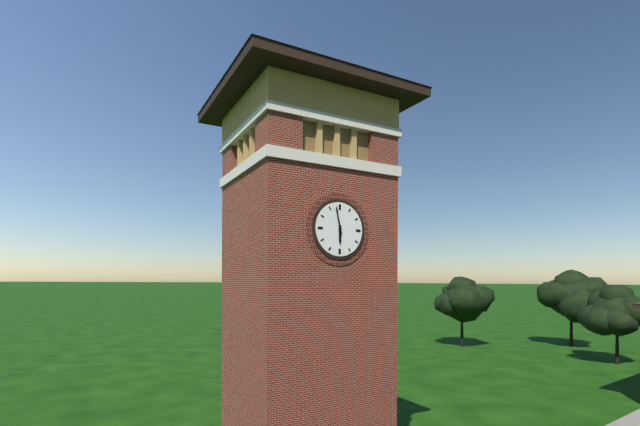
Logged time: 5 h 58 min
